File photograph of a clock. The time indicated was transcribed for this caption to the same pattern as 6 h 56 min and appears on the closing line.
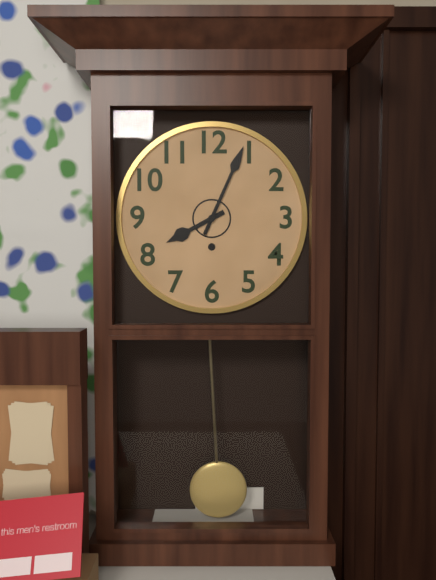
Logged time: 8 h 04 min
